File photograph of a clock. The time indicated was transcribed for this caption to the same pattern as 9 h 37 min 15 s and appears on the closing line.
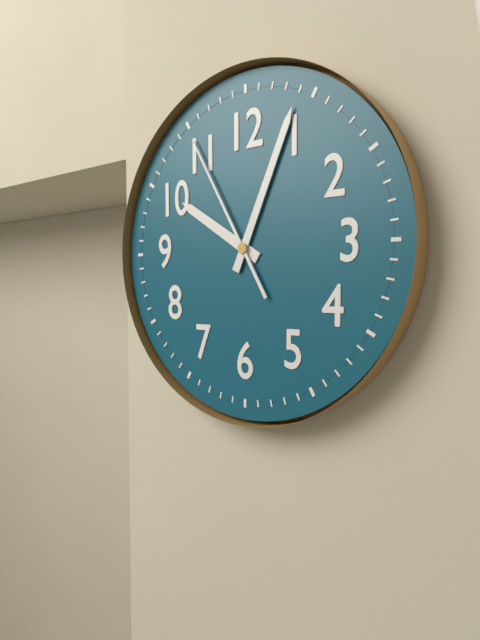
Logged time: 10 h 04 min 55 s
